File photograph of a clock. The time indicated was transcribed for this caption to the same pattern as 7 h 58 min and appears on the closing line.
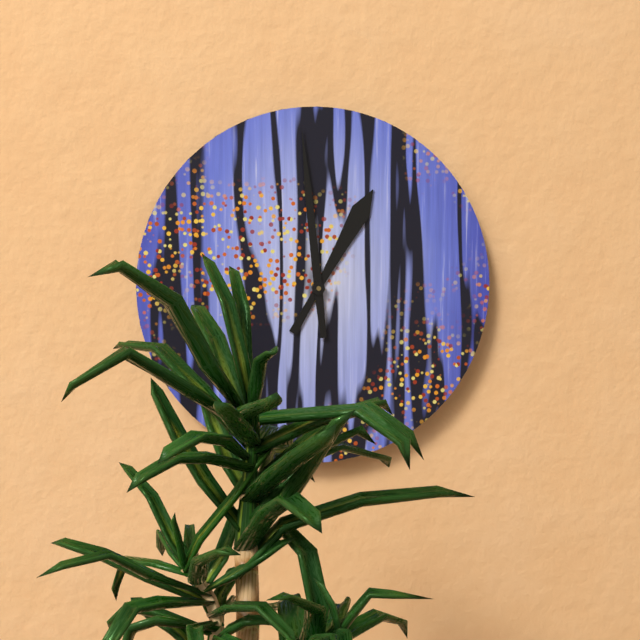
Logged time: 12 h 59 min
